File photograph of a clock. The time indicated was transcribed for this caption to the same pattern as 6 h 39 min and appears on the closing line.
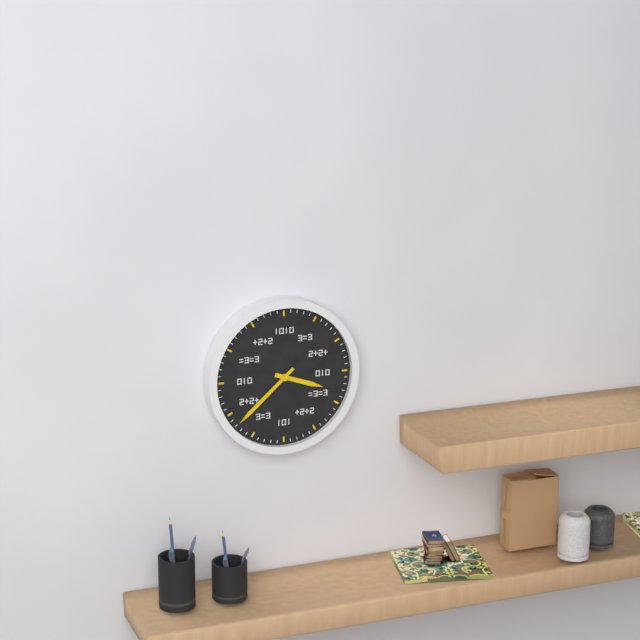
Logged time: 3 h 38 min
